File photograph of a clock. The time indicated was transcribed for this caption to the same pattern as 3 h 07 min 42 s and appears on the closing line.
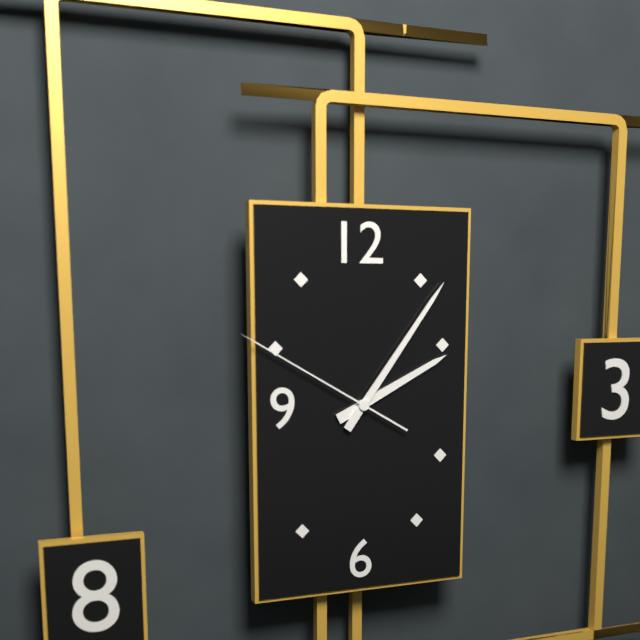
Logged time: 2 h 06 min 50 s
